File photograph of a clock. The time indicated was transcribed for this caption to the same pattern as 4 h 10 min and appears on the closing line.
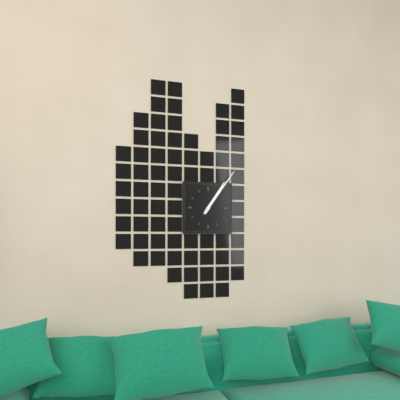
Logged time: 1 h 06 min
